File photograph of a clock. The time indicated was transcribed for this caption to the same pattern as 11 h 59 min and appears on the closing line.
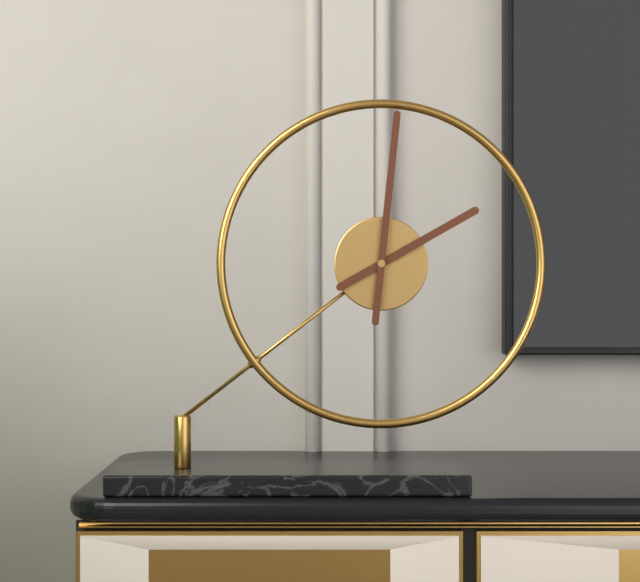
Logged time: 2 h 01 min
